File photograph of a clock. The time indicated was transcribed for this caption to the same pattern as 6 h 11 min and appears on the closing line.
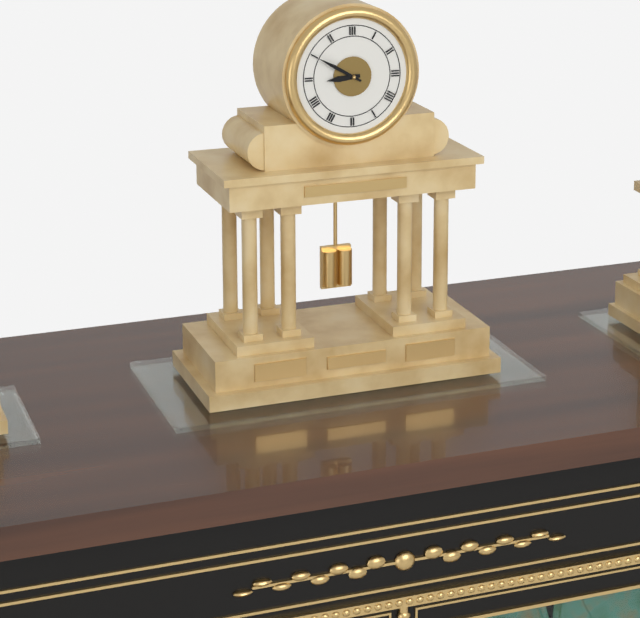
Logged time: 8 h 50 min
